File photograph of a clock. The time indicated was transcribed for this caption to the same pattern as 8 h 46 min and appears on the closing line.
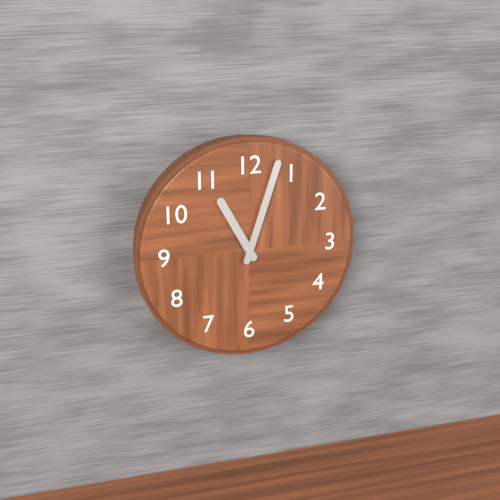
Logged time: 11 h 03 min
